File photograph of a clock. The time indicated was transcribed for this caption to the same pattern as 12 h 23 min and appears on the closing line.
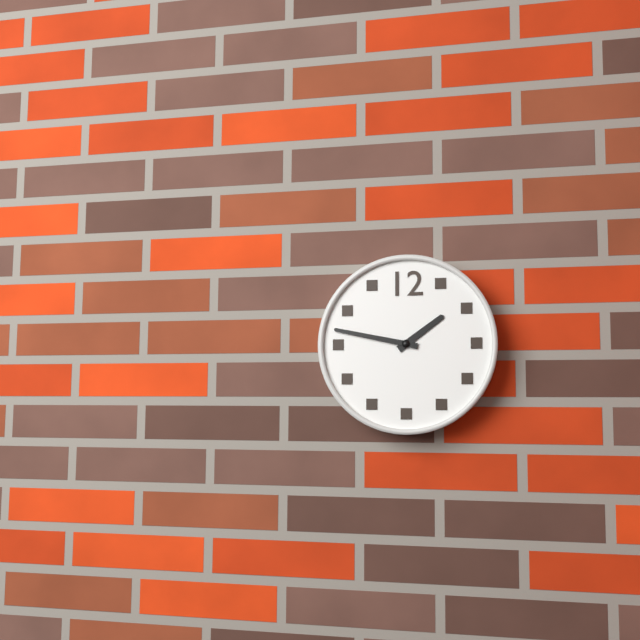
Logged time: 1 h 47 min
